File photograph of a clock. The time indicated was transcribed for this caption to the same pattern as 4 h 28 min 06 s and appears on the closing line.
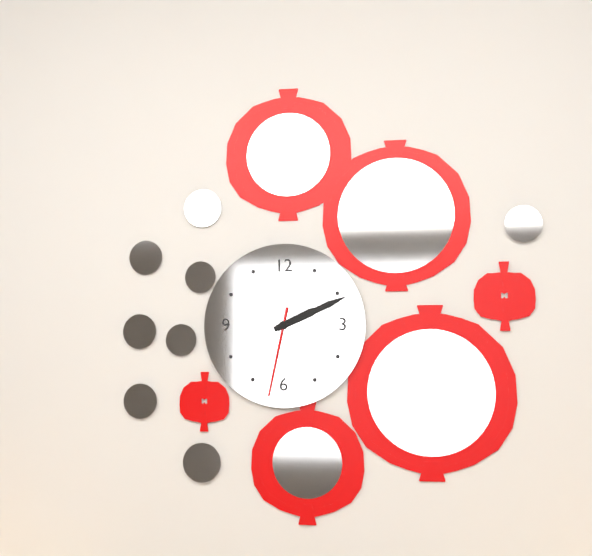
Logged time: 2 h 11 min 32 s
